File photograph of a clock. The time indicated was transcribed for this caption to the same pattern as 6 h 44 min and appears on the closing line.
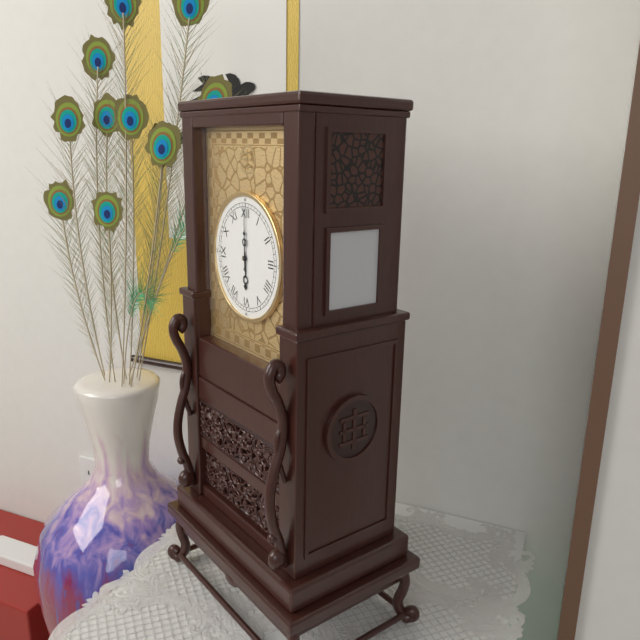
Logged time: 6 h 00 min
